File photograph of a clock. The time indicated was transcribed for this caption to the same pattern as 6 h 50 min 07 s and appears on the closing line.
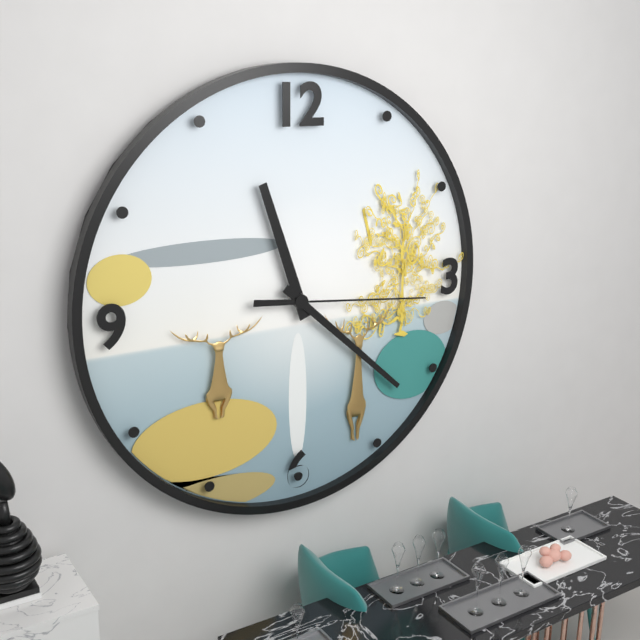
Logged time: 11 h 22 min 16 s
